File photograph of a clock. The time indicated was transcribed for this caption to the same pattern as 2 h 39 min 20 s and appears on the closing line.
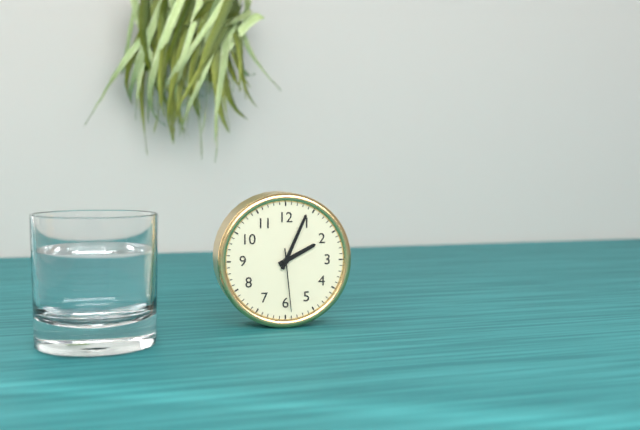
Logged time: 2 h 04 min 29 s
